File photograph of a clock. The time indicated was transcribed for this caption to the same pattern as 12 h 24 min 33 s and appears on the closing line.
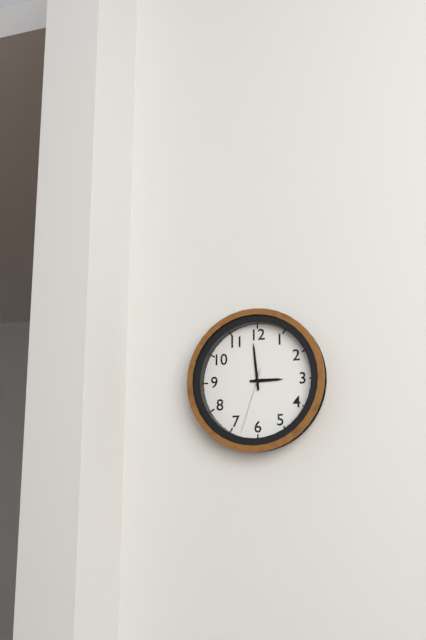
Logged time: 2 h 59 min 33 s
